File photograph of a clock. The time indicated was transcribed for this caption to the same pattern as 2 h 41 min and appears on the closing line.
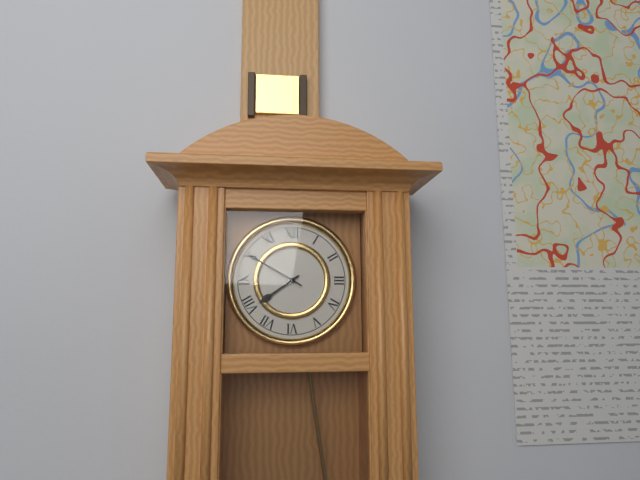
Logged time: 7 h 50 min
